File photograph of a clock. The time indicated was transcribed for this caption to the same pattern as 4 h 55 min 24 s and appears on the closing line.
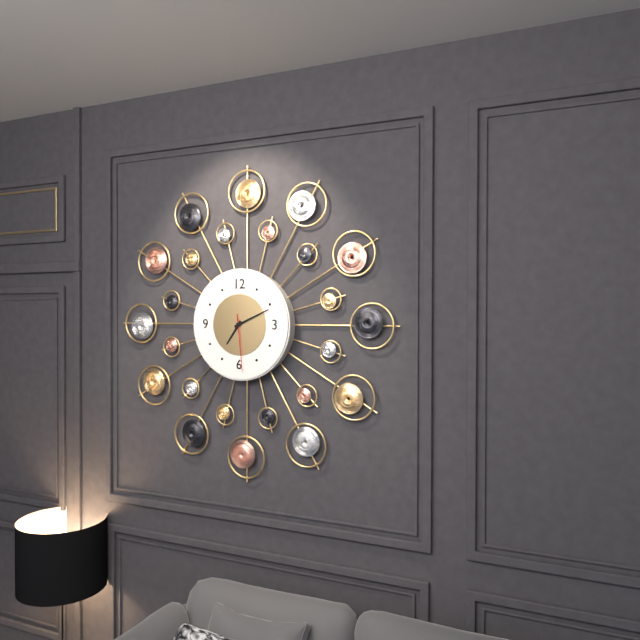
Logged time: 7 h 11 min 29 s
